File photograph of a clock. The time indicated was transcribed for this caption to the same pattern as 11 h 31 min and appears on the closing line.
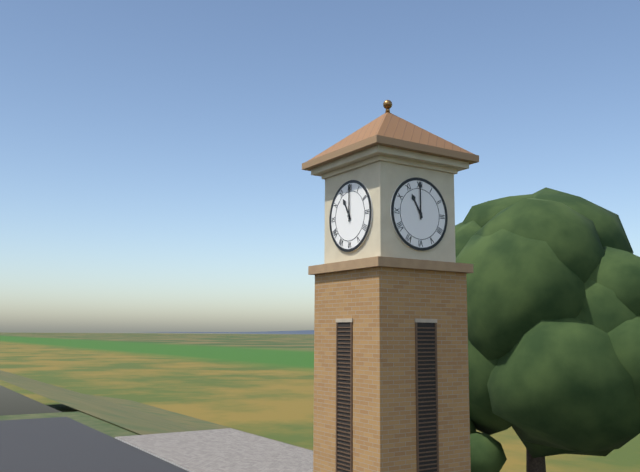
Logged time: 11 h 00 min
